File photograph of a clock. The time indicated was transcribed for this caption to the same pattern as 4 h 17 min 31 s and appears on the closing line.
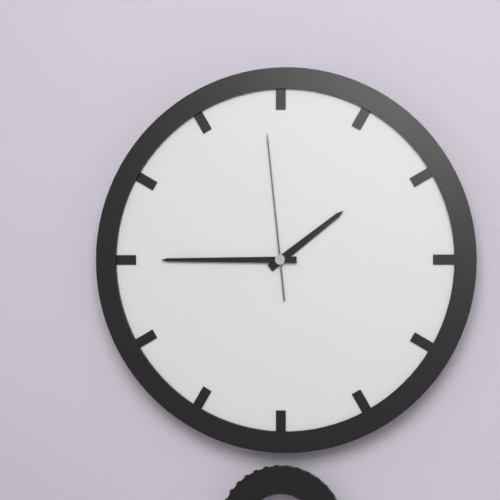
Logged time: 1 h 45 min 59 s
